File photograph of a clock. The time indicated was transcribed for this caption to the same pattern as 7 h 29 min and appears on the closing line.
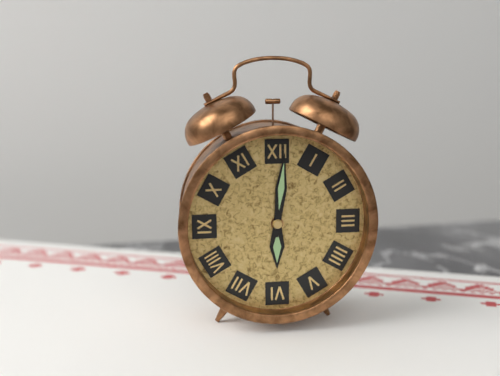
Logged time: 6 h 01 min
